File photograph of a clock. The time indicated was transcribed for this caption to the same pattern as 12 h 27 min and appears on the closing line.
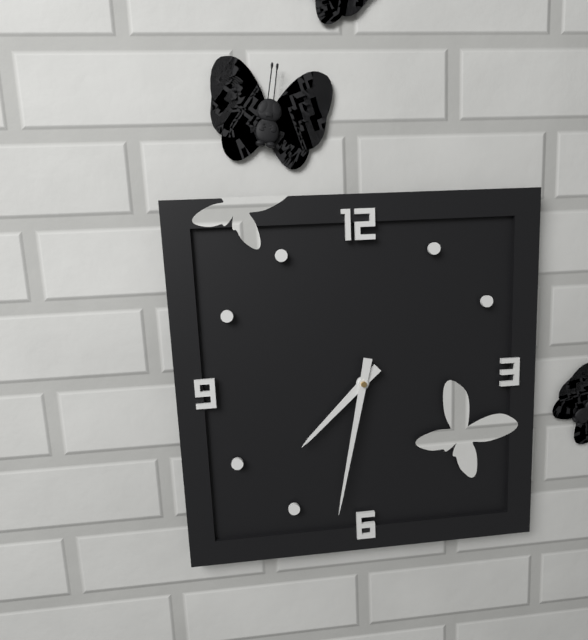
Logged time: 7 h 32 min
